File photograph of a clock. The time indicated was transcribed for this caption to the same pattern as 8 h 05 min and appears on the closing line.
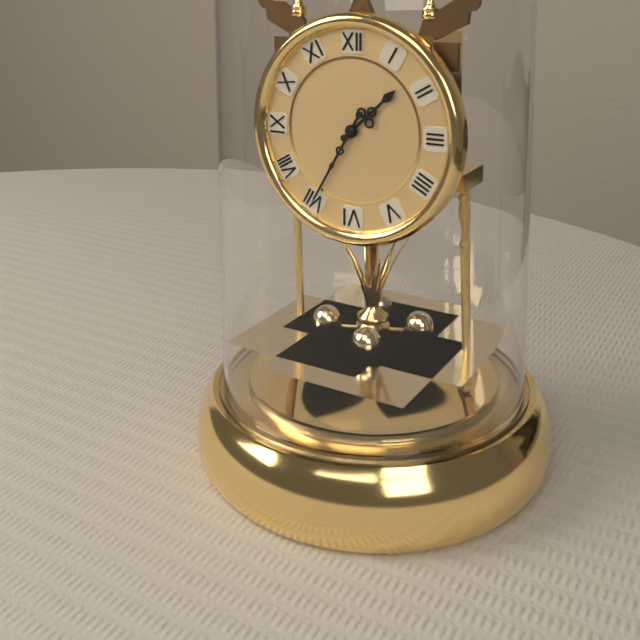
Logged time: 1 h 35 min
